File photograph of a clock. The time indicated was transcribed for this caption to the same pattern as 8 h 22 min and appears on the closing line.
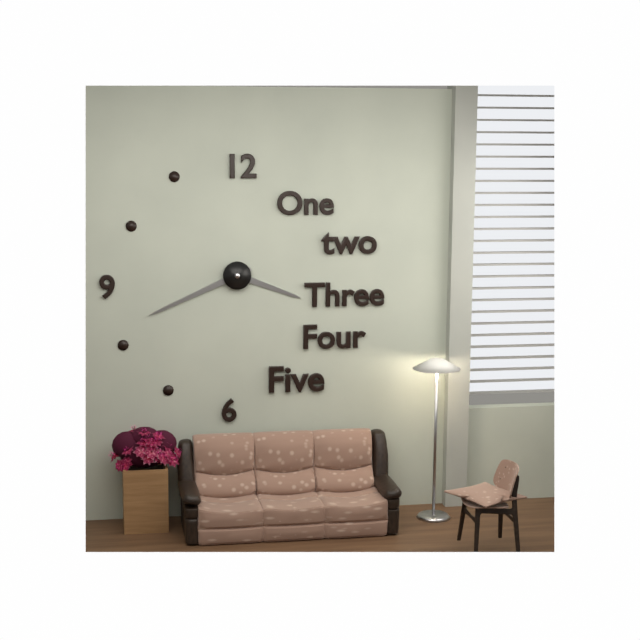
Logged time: 3 h 41 min
